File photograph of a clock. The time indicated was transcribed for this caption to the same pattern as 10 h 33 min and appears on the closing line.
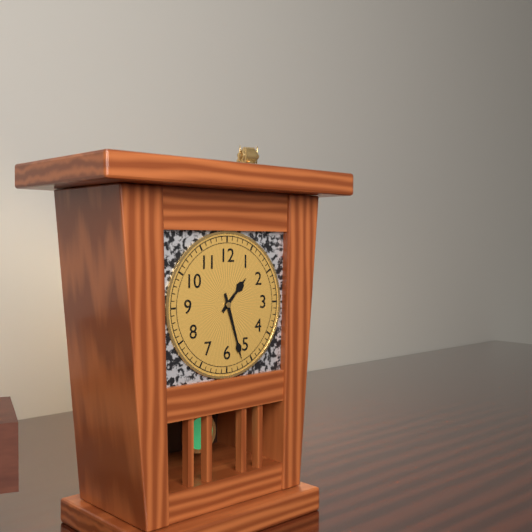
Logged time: 1 h 27 min
